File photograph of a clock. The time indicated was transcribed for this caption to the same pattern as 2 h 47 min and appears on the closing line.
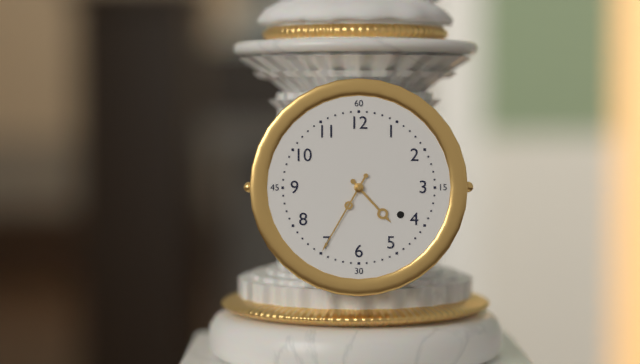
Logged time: 4 h 35 min
